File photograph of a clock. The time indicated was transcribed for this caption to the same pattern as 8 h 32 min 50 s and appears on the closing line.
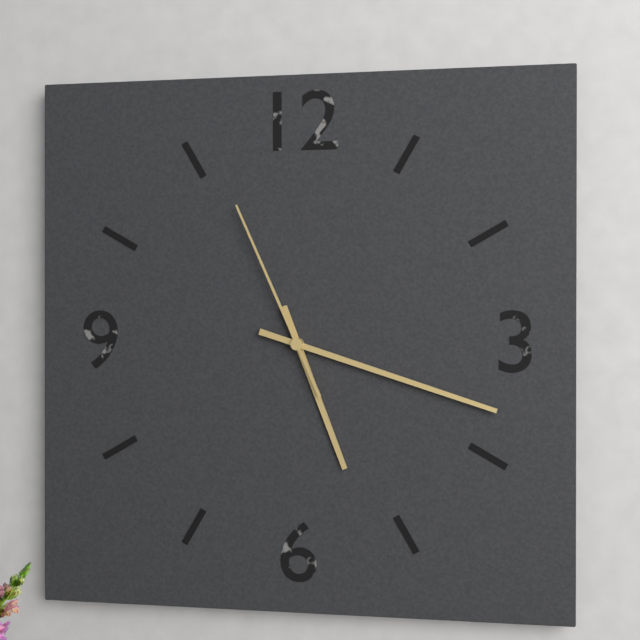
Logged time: 5 h 18 min 56 s
